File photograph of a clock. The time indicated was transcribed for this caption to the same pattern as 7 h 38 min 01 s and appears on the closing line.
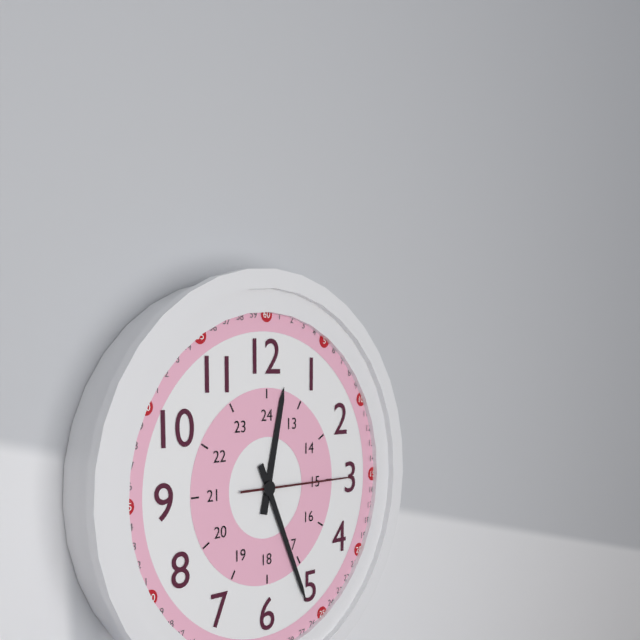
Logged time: 12 h 26 min 15 s
